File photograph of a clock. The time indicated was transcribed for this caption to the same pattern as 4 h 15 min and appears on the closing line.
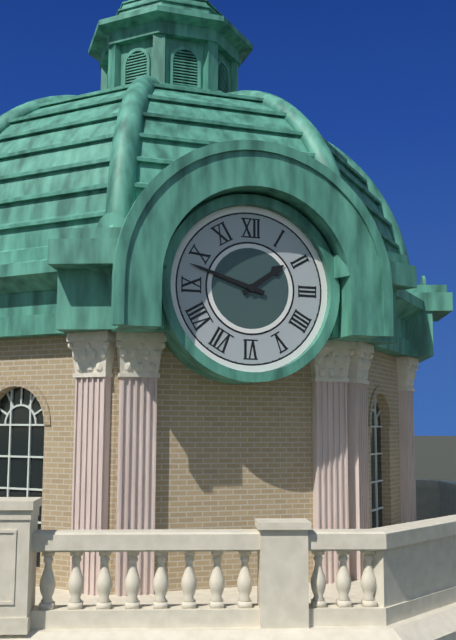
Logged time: 1 h 48 min
